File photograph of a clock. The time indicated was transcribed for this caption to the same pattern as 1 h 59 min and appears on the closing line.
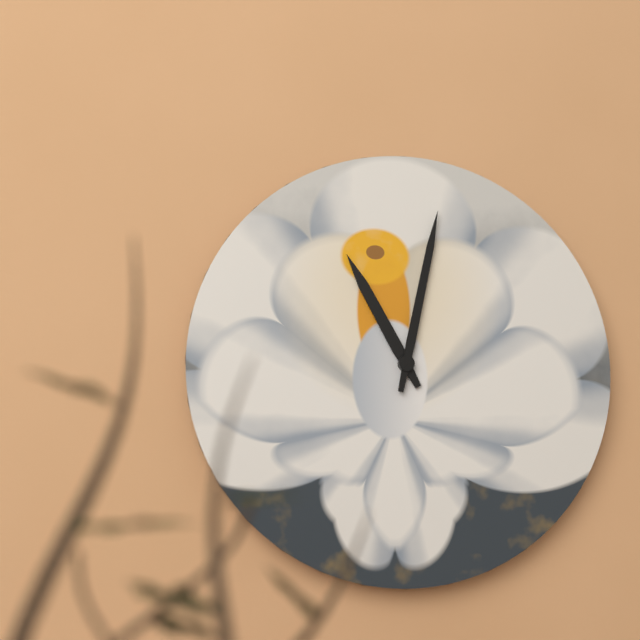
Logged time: 11 h 02 min
